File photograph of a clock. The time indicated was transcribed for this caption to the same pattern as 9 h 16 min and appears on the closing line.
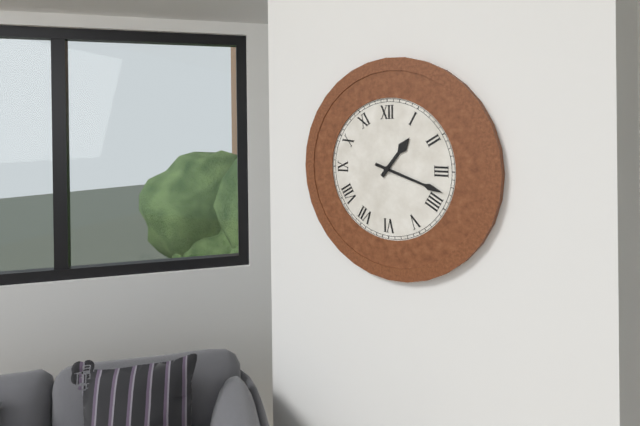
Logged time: 1 h 18 min
